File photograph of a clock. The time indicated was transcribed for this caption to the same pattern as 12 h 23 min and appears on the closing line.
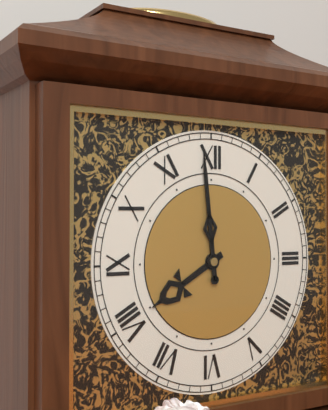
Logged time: 7 h 59 min
